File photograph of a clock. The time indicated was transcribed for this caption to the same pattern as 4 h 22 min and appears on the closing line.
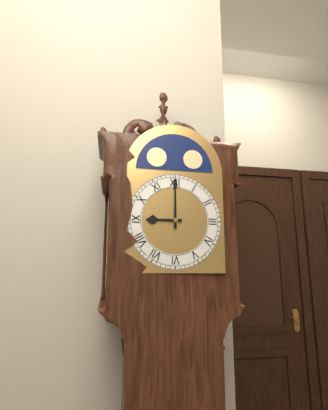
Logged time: 9 h 00 min
